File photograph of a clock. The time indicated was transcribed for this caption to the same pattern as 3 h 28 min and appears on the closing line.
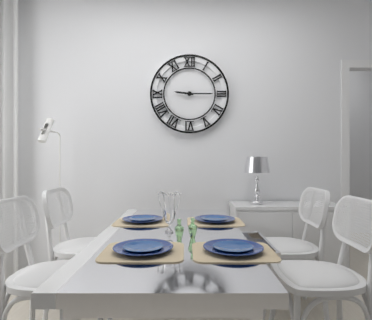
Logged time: 9 h 15 min
